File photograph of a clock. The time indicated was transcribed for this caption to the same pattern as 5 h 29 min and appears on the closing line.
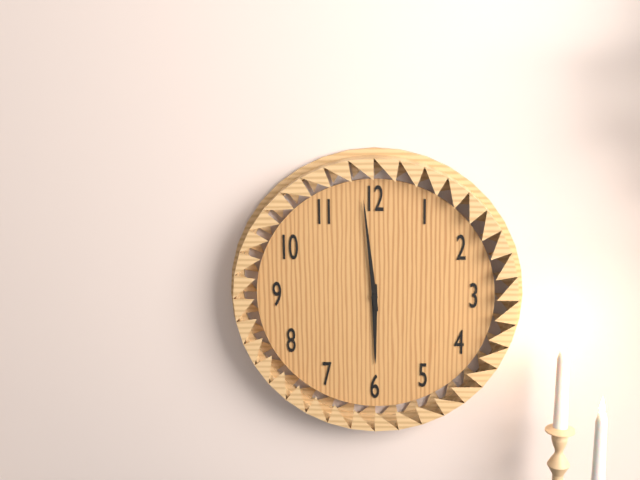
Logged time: 5 h 59 min
